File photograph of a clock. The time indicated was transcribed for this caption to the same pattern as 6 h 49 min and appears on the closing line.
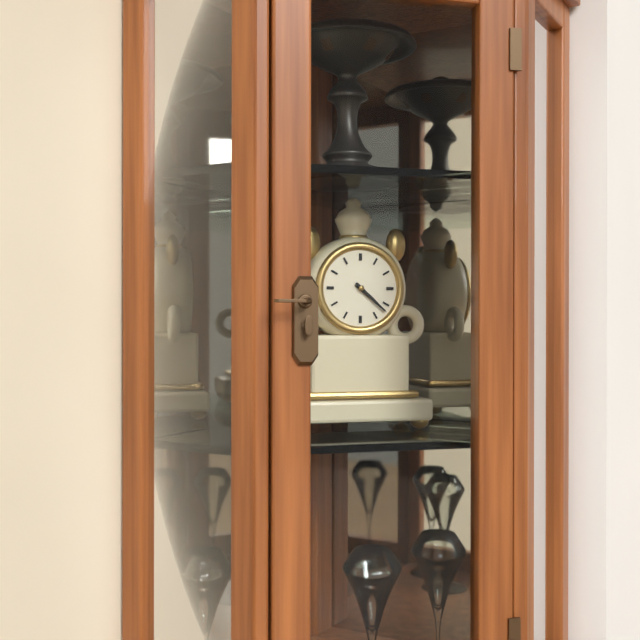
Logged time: 4 h 22 min
